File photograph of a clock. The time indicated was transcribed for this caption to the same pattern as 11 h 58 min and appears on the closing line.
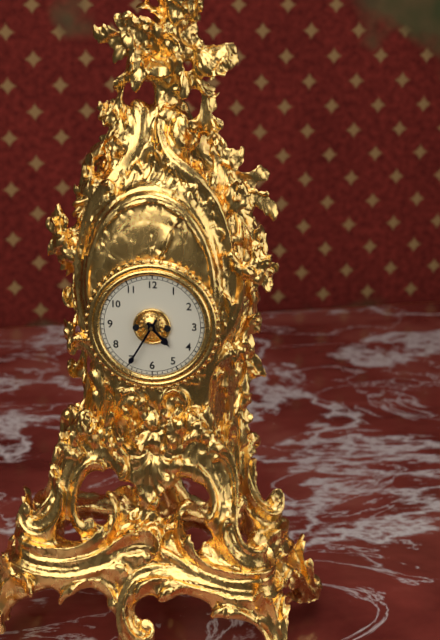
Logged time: 4 h 35 min
